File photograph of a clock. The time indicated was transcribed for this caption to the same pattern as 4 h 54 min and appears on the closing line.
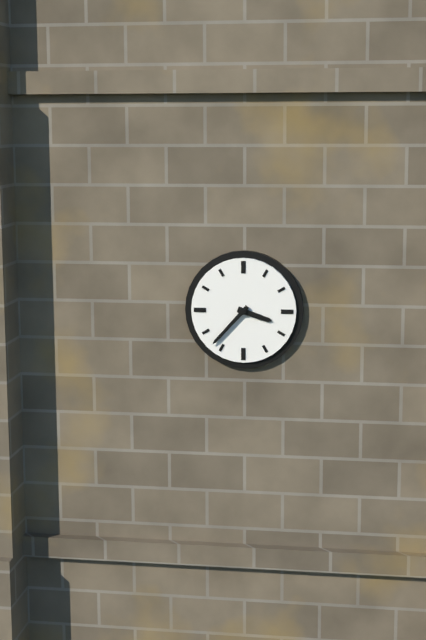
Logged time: 3 h 37 min
